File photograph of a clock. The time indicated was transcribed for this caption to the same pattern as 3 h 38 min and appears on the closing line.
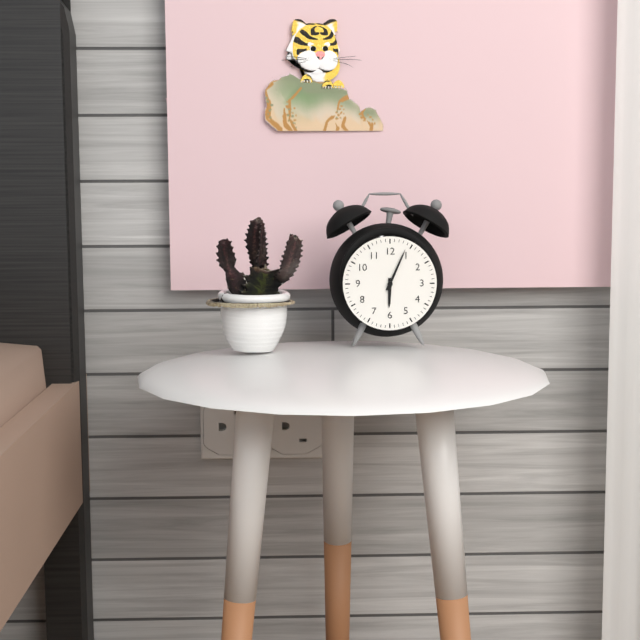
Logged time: 6 h 04 min
